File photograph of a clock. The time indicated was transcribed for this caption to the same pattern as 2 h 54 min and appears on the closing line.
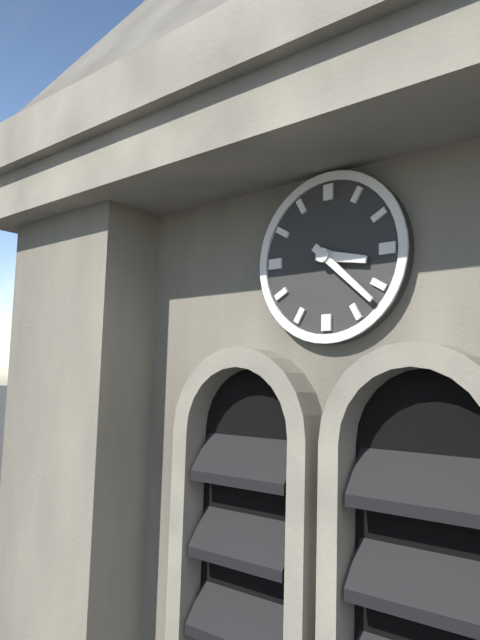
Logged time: 3 h 22 min
